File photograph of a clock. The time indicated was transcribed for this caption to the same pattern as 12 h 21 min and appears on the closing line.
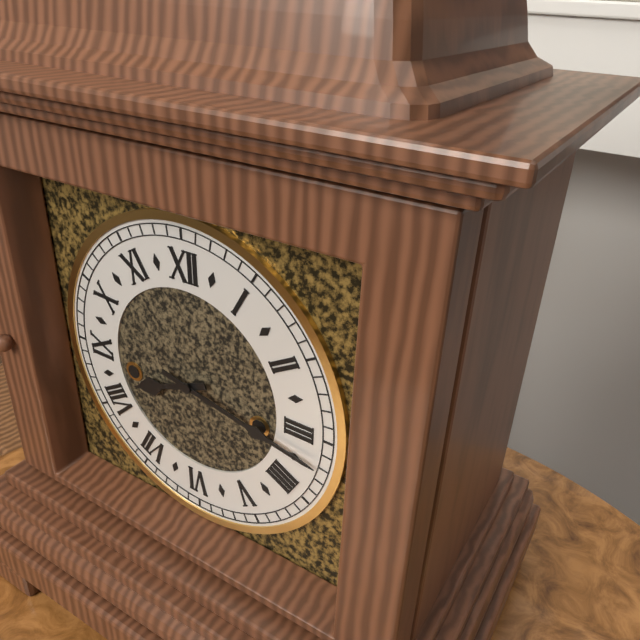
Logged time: 8 h 17 min
